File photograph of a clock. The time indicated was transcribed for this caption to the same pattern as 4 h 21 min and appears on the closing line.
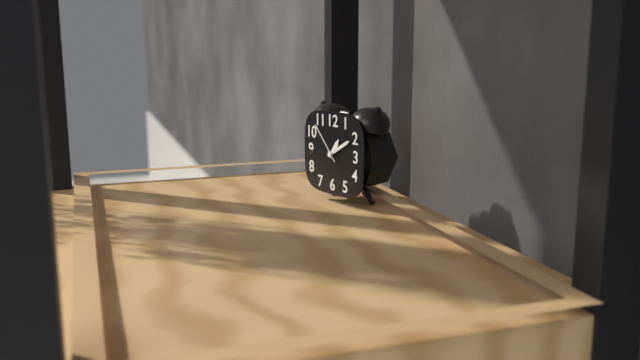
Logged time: 1 h 10 min
